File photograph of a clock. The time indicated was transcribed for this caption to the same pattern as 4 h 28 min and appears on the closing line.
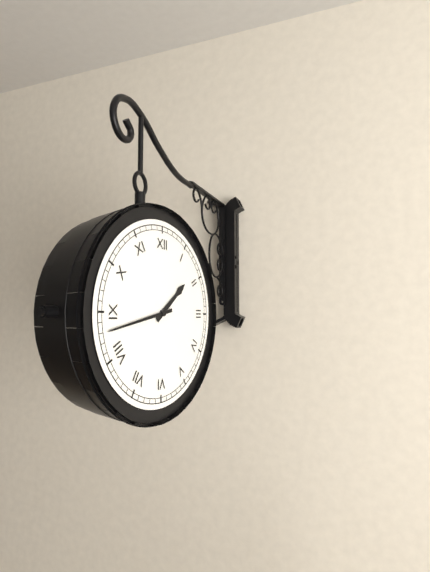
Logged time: 1 h 43 min
